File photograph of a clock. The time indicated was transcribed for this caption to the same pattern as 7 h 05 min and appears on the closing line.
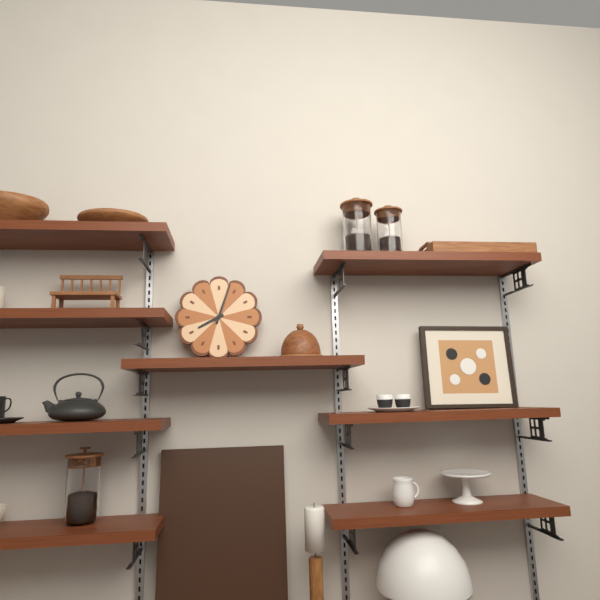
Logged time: 8 h 03 min
